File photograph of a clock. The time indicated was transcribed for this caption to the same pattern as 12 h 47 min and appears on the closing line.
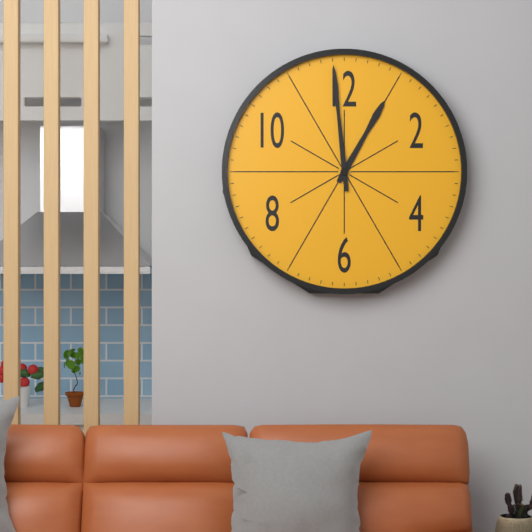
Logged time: 12 h 59 min
